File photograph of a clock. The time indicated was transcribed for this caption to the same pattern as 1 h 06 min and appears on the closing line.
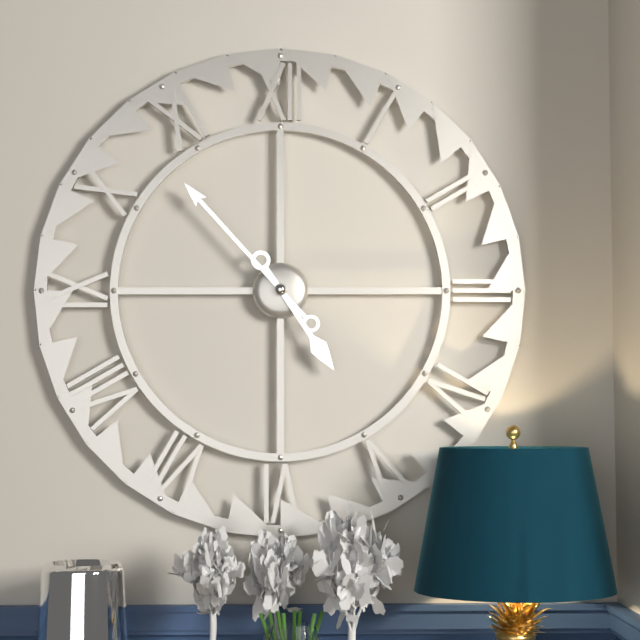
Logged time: 4 h 53 min
